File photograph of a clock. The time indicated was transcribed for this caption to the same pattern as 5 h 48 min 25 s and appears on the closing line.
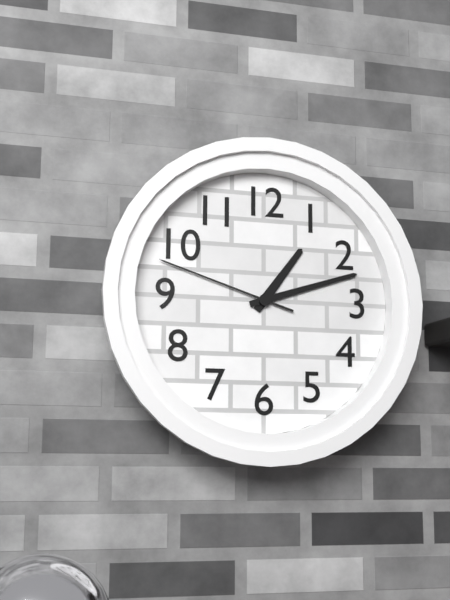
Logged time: 1 h 12 min 48 s
